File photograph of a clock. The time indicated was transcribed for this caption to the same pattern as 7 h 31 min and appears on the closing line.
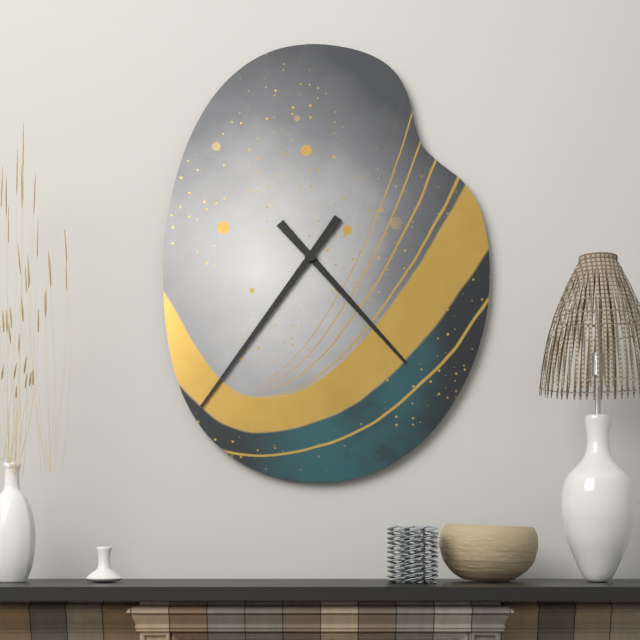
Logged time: 4 h 36 min
